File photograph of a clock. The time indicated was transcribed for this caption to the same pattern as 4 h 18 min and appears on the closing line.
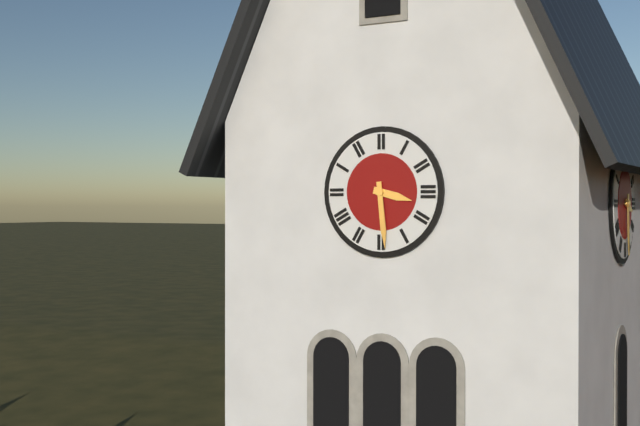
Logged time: 3 h 29 min
